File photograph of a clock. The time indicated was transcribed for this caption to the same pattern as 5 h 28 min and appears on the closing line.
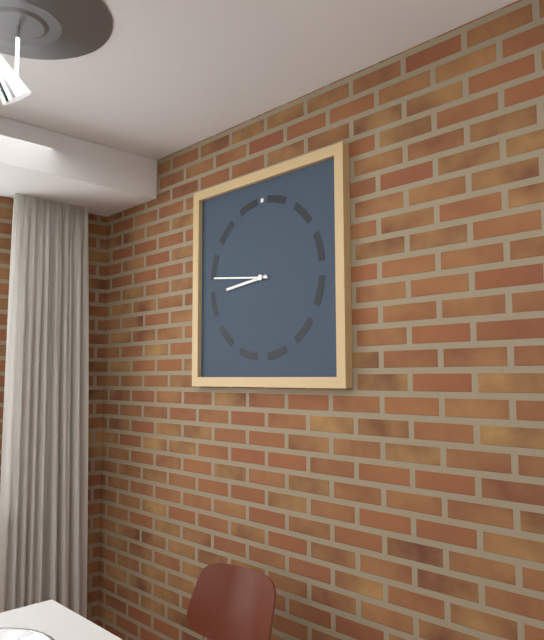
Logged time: 8 h 46 min
